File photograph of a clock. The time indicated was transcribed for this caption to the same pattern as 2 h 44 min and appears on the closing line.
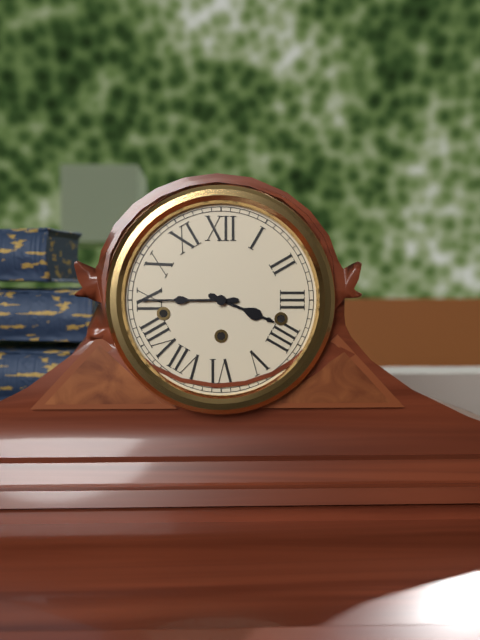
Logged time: 3 h 45 min
